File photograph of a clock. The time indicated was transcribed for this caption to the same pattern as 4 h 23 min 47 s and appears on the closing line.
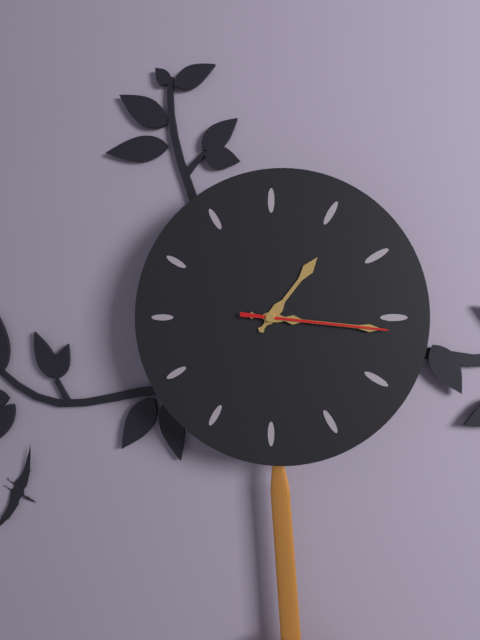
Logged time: 1 h 16 min 16 s
